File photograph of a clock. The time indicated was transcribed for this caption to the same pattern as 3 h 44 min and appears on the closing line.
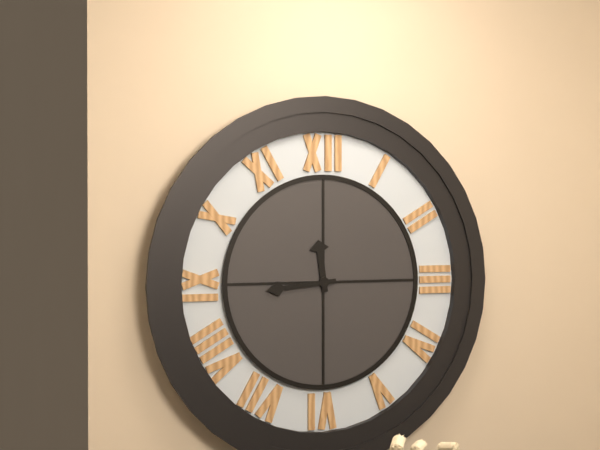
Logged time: 11 h 44 min
